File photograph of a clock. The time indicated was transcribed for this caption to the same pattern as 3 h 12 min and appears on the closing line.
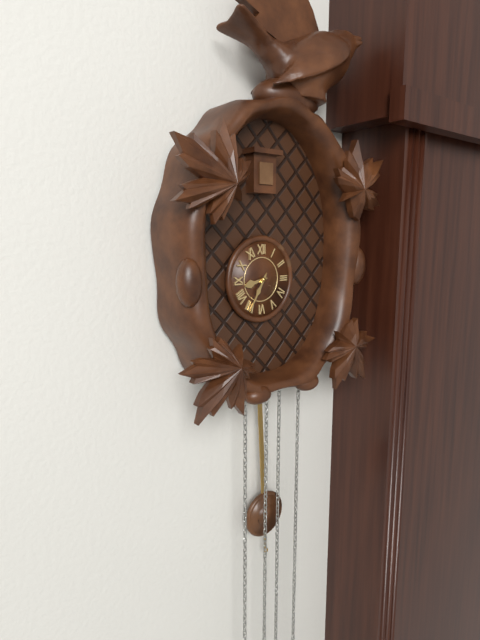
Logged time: 8 h 35 min
